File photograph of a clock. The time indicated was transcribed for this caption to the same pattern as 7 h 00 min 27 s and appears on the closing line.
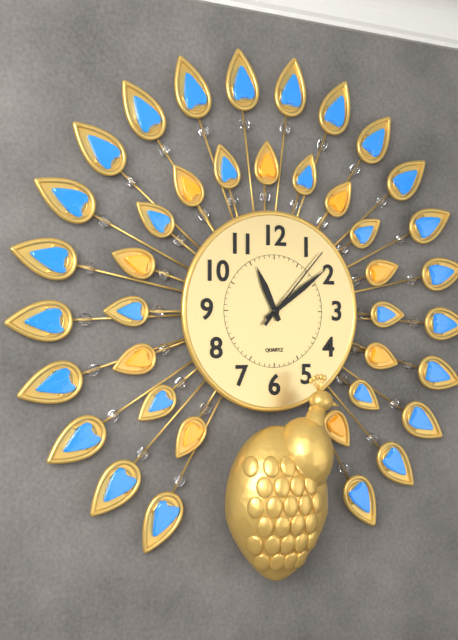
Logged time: 11 h 09 min 07 s
